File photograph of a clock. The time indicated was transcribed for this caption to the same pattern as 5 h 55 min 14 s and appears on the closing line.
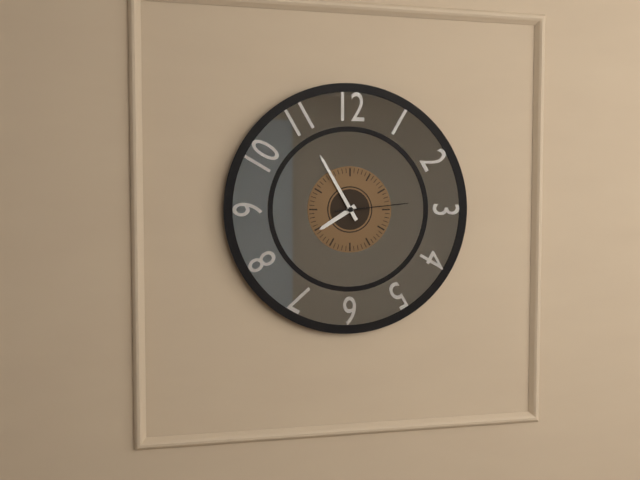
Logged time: 7 h 55 min 14 s
